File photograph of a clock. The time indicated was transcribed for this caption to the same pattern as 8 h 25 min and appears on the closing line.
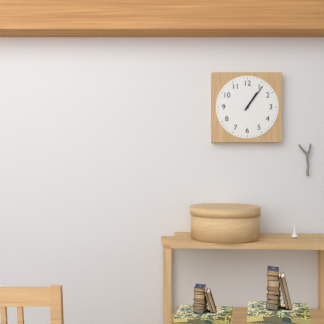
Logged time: 1 h 06 min
